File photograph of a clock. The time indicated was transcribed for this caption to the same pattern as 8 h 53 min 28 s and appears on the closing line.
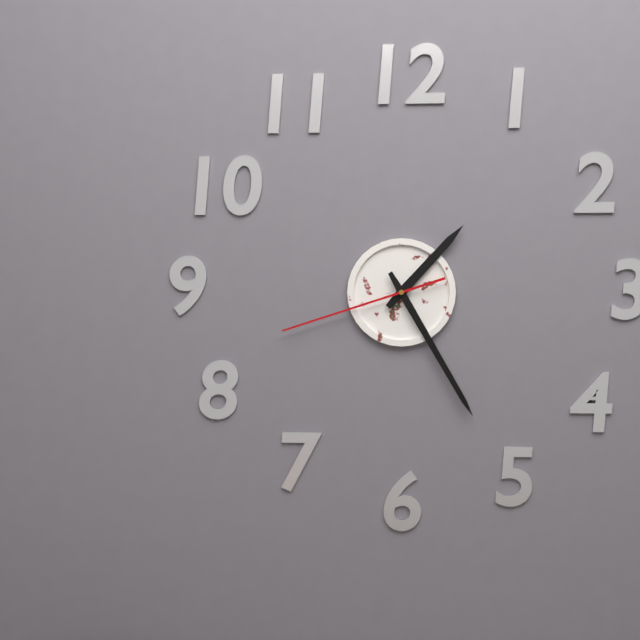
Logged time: 1 h 25 min 42 s
